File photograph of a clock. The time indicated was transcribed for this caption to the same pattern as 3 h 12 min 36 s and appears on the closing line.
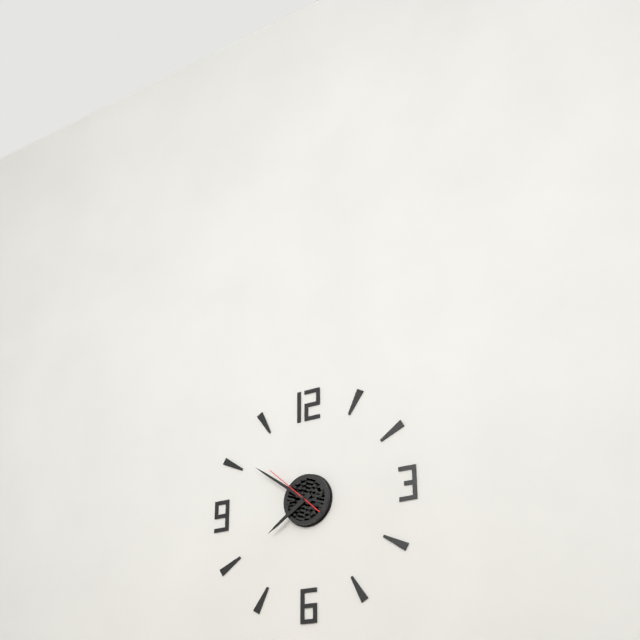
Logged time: 7 h 51 min 52 s
